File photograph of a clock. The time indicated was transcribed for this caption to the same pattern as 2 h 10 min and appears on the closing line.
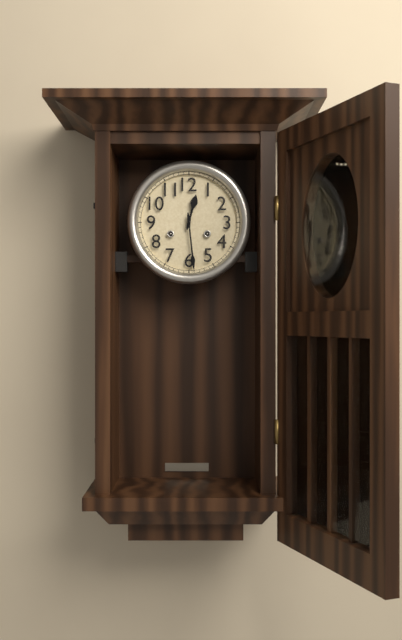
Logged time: 12 h 29 min
